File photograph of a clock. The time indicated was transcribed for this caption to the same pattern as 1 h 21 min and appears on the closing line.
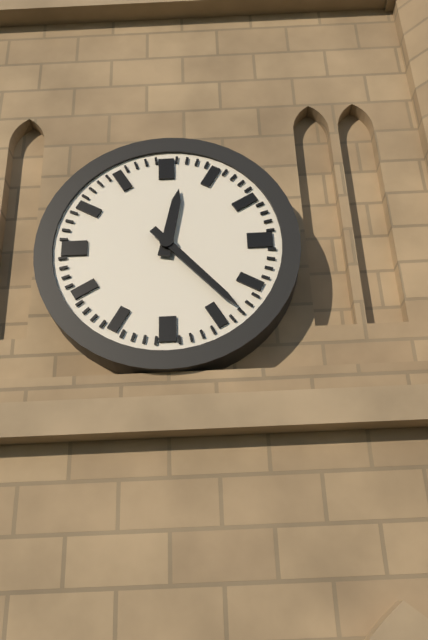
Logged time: 12 h 23 min
